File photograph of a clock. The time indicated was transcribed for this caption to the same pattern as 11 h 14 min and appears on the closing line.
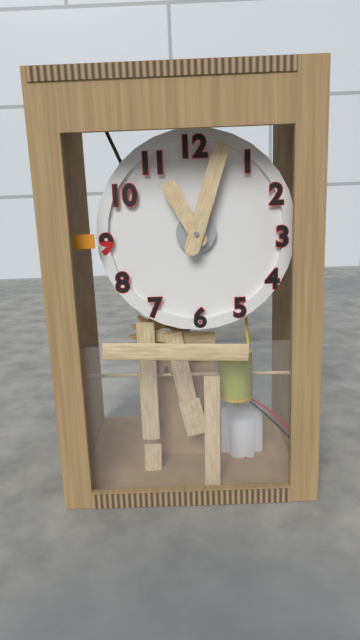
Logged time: 11 h 03 min
